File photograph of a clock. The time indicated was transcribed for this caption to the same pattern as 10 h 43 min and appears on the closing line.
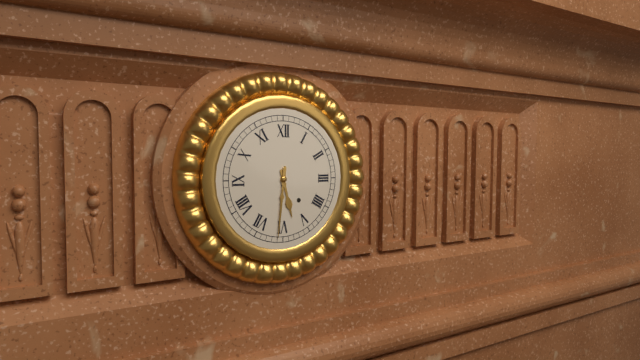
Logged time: 5 h 31 min
